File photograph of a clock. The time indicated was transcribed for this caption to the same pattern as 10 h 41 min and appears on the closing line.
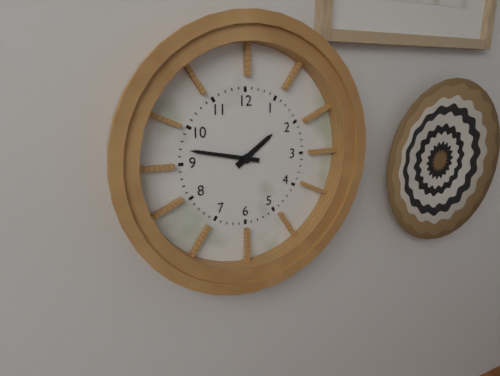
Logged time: 1 h 47 min
